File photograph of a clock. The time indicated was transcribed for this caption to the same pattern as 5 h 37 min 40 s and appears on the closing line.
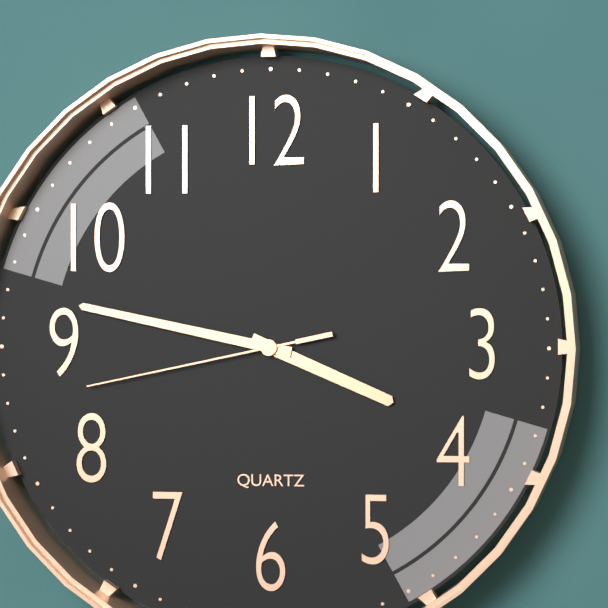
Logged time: 3 h 47 min 43 s
